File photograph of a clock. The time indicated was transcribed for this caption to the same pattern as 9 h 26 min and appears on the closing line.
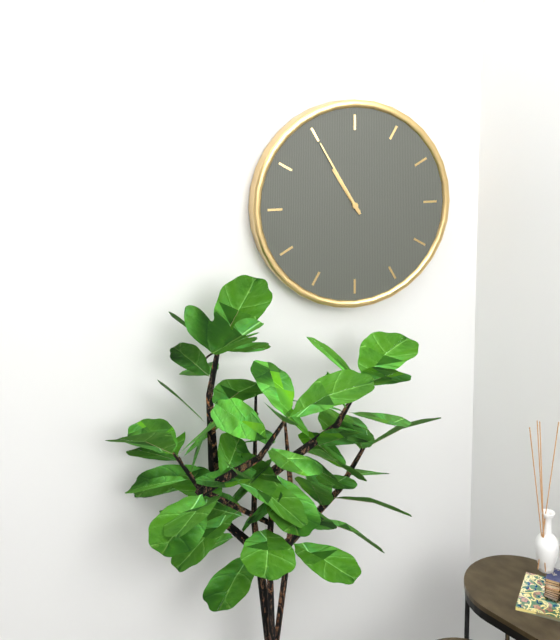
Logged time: 10 h 55 min
